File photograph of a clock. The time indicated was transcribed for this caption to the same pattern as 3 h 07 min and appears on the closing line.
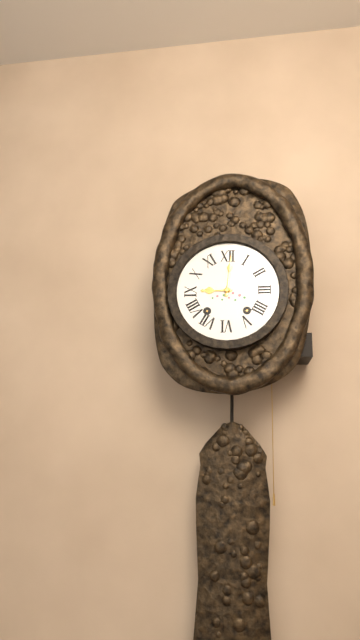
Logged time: 9 h 01 min
